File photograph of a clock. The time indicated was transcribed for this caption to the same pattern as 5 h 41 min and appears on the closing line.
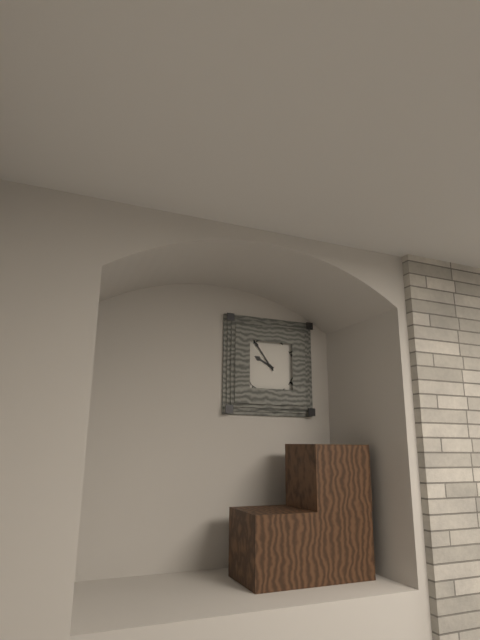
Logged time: 9 h 54 min
